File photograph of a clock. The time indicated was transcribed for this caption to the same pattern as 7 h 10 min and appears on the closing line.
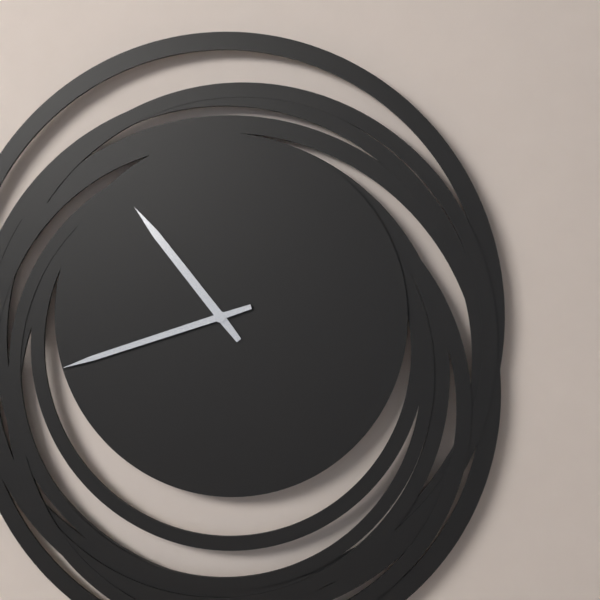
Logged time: 10 h 42 min
